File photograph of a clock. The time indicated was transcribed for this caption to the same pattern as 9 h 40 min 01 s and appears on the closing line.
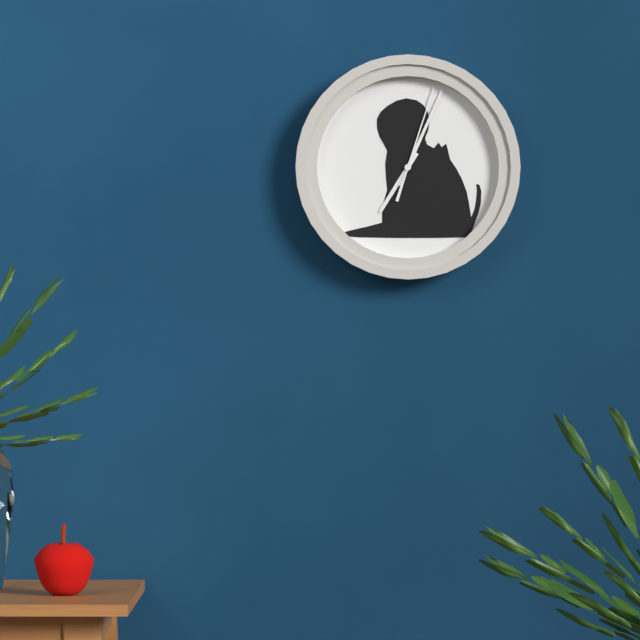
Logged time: 7 h 04 min 03 s
